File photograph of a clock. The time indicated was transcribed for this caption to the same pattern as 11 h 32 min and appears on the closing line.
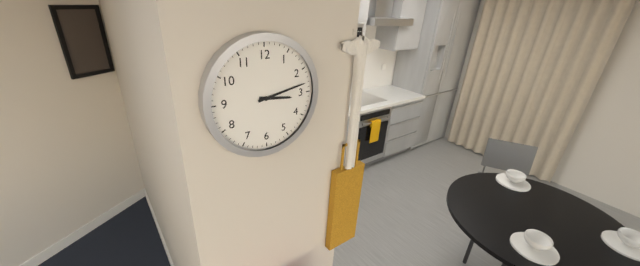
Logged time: 3 h 13 min
